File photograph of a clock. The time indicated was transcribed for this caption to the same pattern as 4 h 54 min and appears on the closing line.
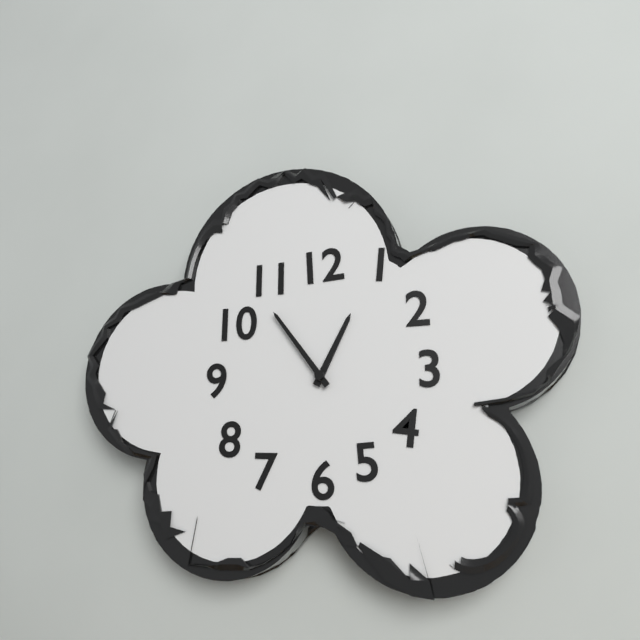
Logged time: 12 h 54 min
